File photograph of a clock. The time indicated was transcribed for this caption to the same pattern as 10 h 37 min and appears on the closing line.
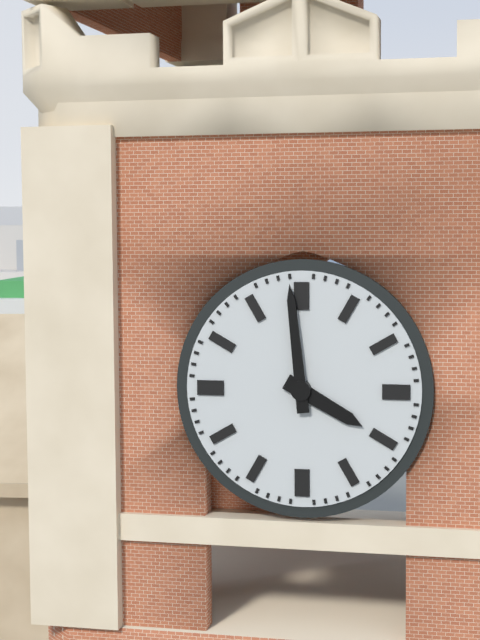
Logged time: 3 h 59 min
